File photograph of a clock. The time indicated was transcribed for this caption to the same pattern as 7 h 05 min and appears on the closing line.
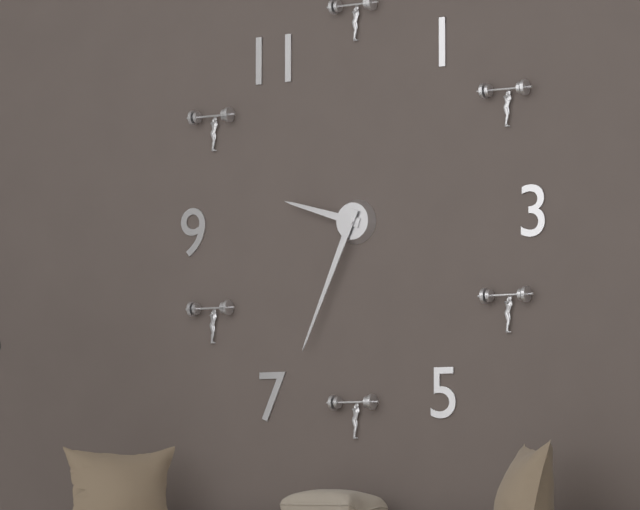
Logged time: 9 h 34 min
